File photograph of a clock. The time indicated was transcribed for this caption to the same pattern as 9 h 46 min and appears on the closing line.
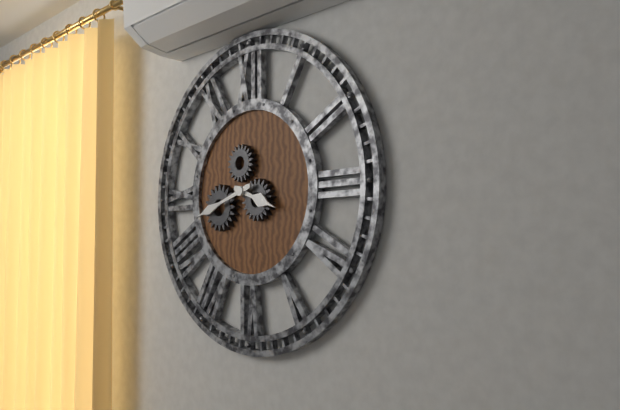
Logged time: 3 h 42 min
